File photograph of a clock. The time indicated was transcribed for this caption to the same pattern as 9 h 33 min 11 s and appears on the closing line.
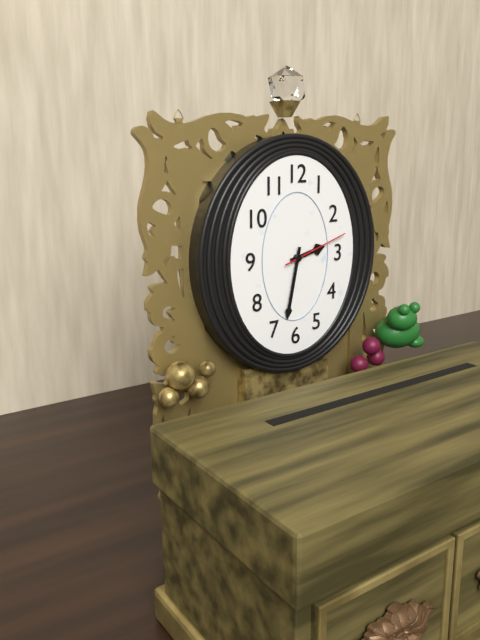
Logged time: 2 h 32 min 12 s
